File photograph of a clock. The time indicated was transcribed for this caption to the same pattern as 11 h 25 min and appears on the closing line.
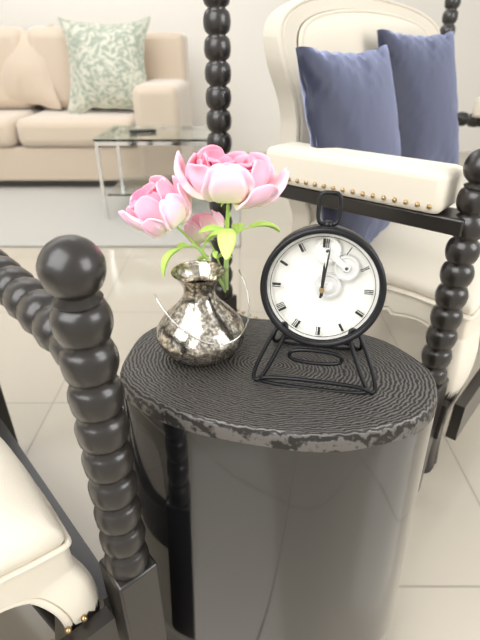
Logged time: 12 h 01 min
